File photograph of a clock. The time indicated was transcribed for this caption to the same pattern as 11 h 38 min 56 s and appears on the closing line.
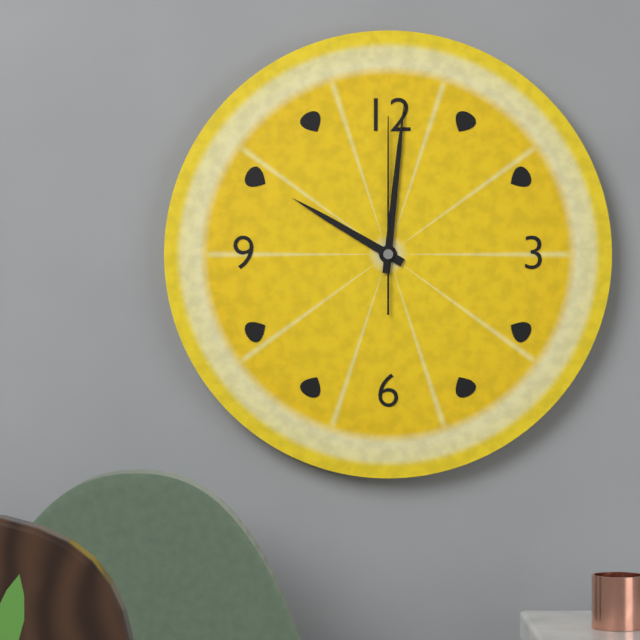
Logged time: 10 h 01 min 00 s
